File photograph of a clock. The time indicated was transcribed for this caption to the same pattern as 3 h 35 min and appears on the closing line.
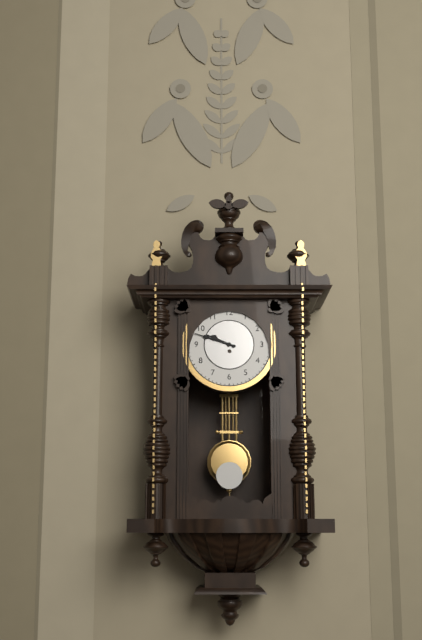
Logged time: 9 h 48 min
